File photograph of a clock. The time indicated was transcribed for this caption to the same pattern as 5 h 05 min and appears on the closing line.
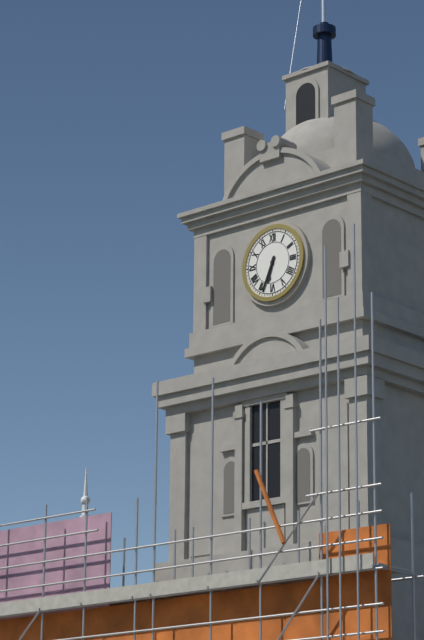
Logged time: 6 h 34 min
